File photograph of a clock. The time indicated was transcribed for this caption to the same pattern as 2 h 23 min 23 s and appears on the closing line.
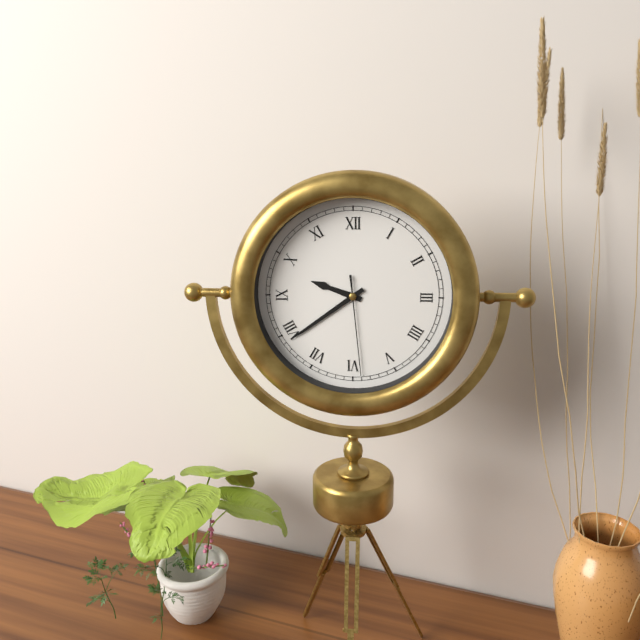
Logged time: 9 h 39 min 29 s
